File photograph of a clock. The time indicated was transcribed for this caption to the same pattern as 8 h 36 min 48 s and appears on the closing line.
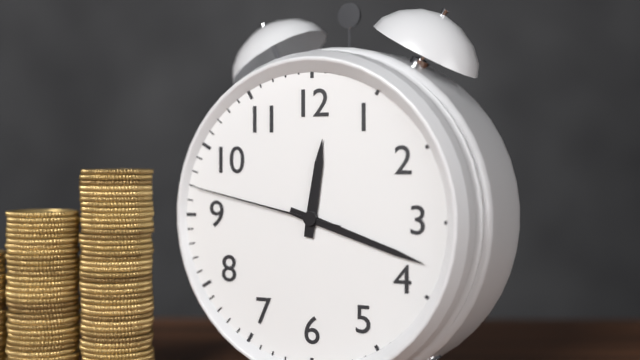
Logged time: 12 h 18 min 47 s
